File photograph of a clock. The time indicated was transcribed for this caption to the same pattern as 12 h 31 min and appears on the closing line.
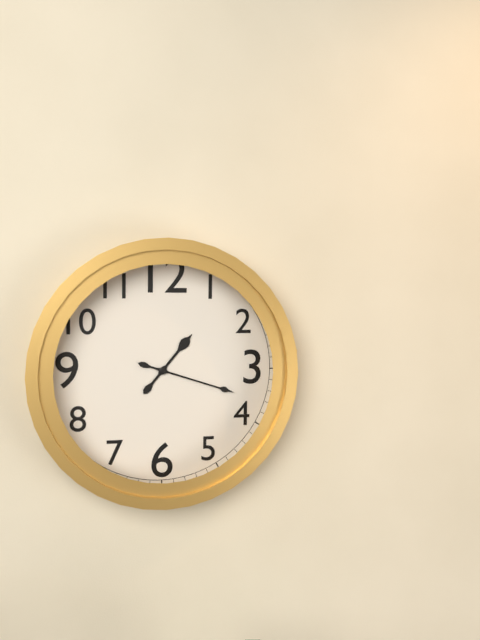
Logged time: 1 h 18 min
